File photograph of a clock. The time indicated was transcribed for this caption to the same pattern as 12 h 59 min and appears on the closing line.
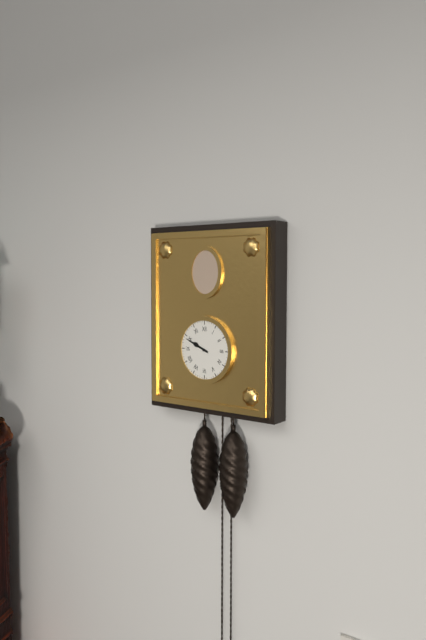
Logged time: 9 h 49 min
